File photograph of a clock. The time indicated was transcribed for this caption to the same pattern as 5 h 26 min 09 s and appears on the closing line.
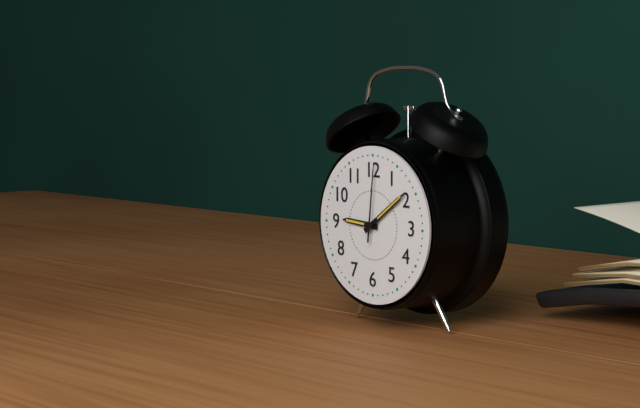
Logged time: 9 h 09 min 01 s
